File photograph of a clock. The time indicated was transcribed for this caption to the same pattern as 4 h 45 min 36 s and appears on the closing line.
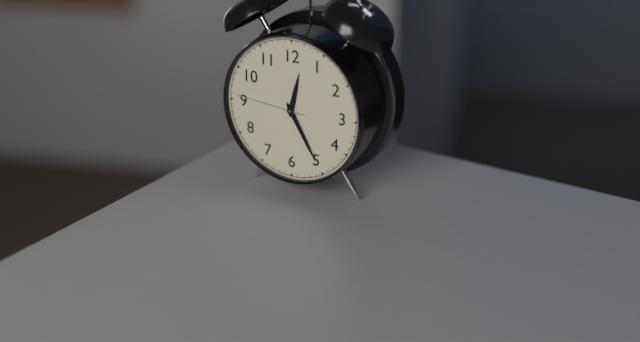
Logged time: 12 h 25 min 46 s
